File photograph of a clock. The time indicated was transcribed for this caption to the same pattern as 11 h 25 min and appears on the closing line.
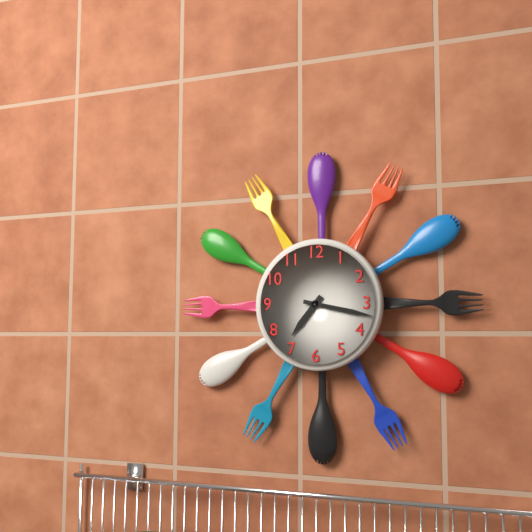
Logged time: 7 h 17 min
